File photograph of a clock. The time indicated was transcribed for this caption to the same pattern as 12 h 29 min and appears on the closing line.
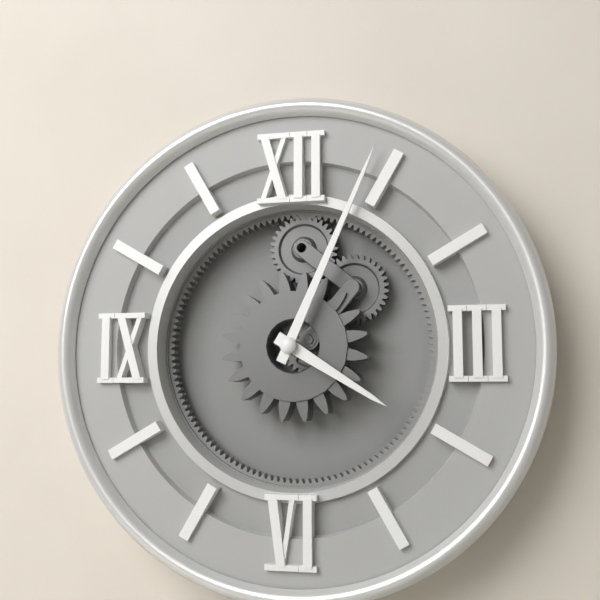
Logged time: 4 h 04 min
